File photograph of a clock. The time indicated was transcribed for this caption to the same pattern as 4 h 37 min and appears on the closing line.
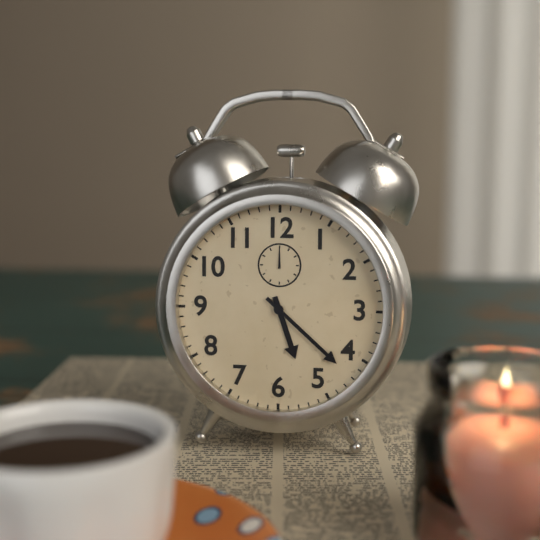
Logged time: 5 h 22 min
